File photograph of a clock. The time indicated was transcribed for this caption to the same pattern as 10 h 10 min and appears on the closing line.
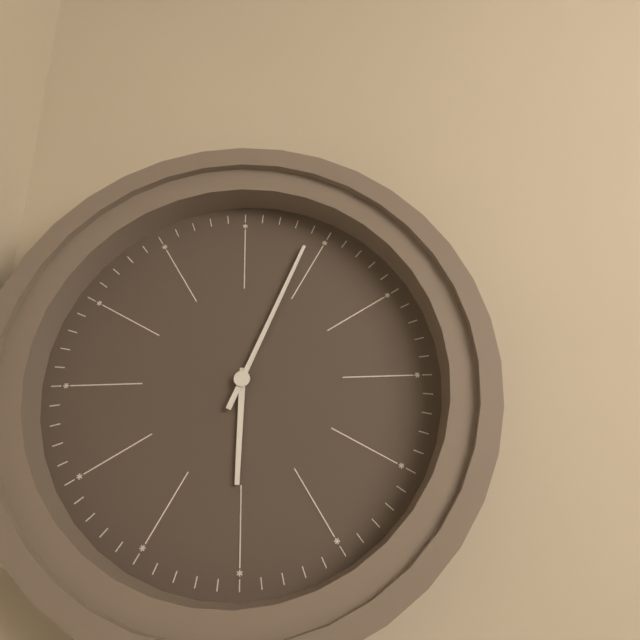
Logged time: 6 h 04 min
